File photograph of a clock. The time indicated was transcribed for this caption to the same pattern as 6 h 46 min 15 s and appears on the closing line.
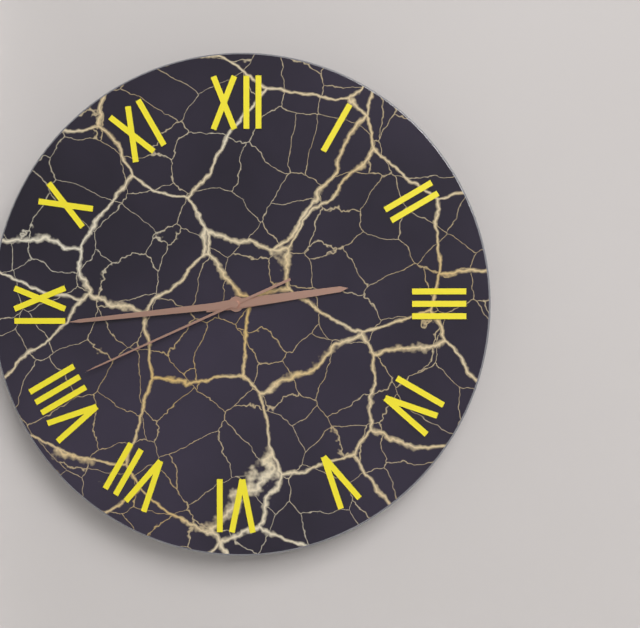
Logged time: 2 h 44 min 41 s
